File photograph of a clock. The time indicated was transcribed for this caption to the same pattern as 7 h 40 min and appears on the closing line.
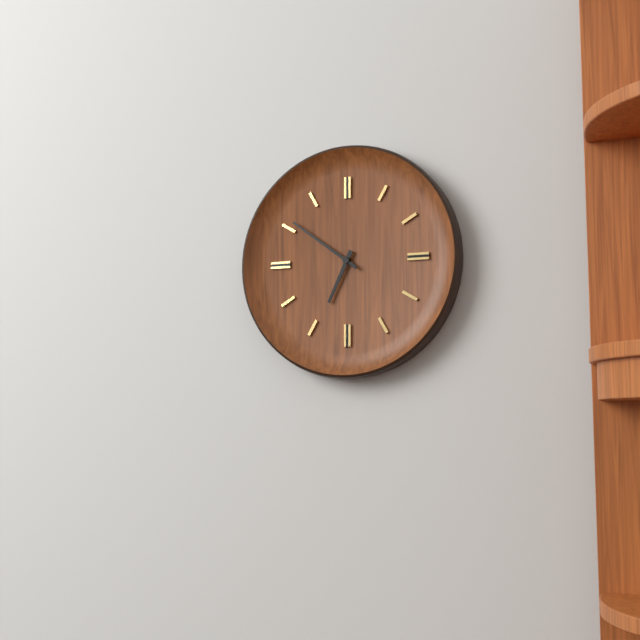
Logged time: 6 h 51 min
